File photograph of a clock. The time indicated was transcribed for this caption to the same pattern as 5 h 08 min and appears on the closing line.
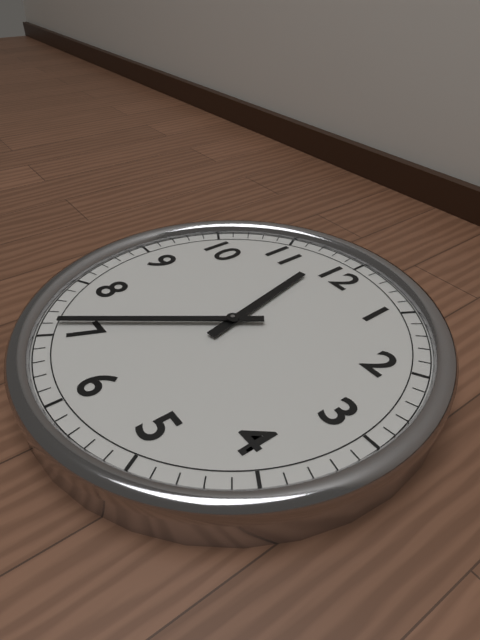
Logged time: 11 h 36 min
